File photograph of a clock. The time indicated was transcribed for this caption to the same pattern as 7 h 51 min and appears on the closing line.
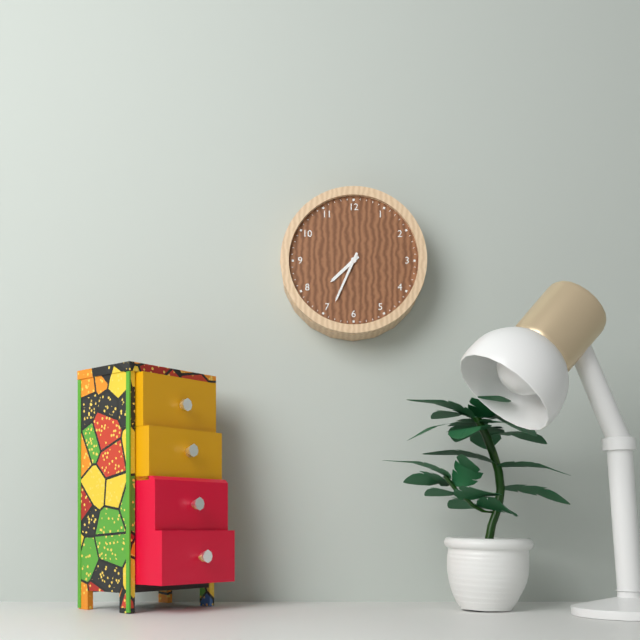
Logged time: 7 h 34 min
